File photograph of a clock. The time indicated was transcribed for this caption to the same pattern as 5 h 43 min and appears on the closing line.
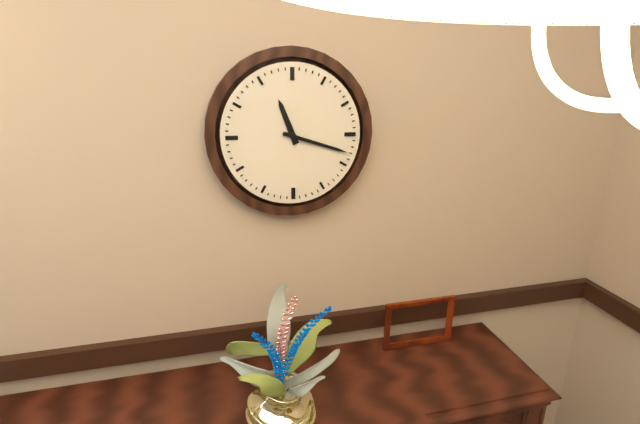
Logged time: 11 h 18 min
